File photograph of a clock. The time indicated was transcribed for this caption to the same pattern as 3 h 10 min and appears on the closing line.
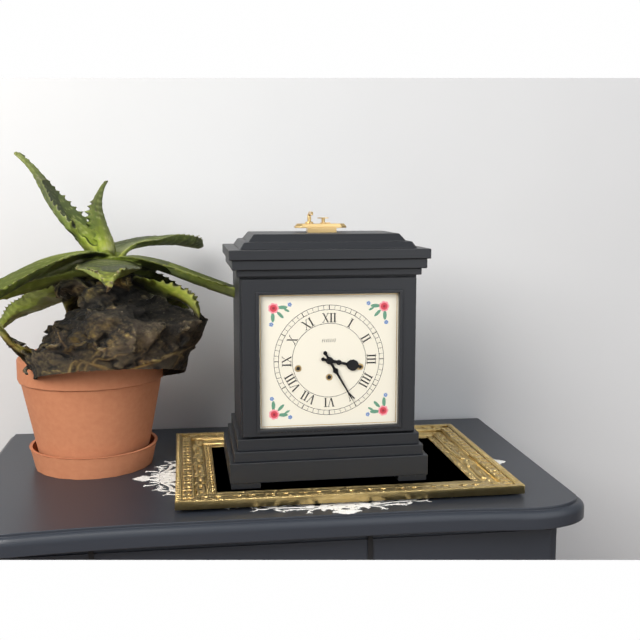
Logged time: 3 h 25 min
